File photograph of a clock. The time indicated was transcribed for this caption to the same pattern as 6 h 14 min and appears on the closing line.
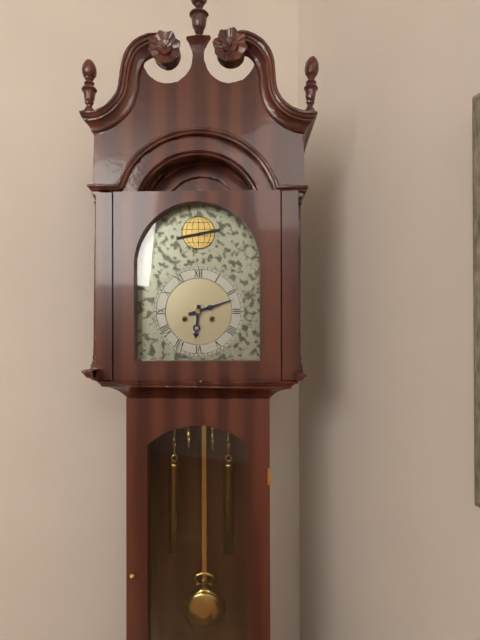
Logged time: 6 h 12 min
